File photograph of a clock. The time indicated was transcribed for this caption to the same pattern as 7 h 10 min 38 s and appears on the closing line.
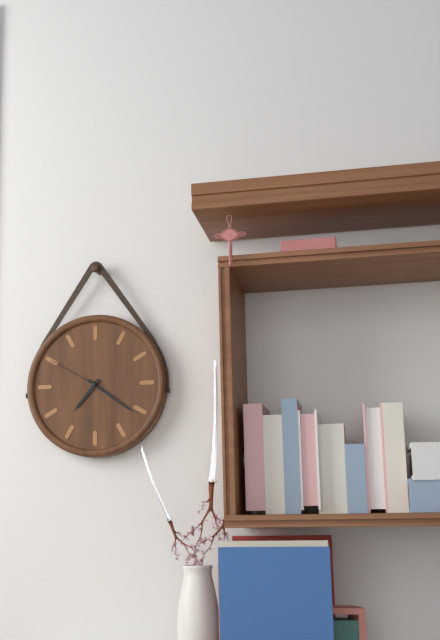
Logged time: 7 h 21 min 50 s
